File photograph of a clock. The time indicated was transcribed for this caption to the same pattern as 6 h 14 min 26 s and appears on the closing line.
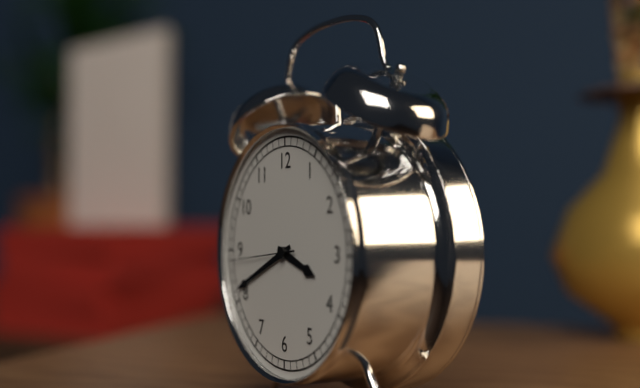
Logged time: 3 h 41 min 44 s
